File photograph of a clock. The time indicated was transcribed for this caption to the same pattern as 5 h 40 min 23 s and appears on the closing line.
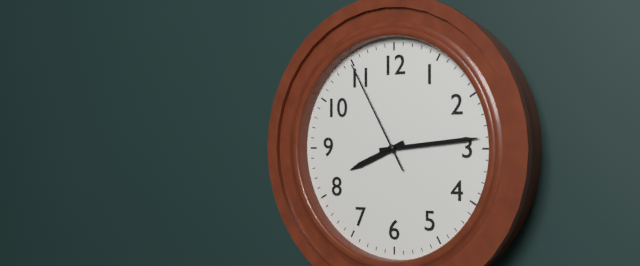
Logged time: 8 h 14 min 55 s
